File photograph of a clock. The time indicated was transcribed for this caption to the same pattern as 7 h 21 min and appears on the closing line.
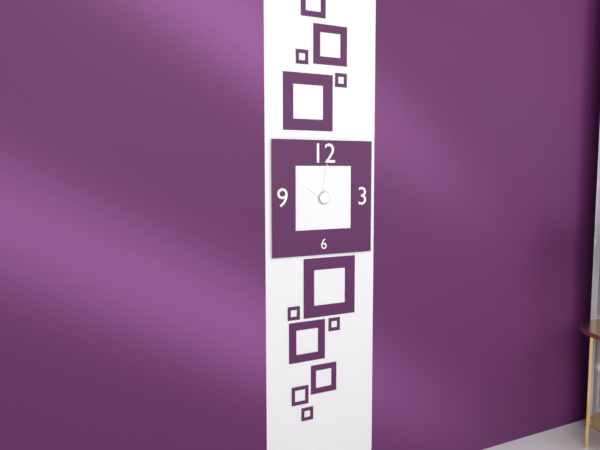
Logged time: 10 h 01 min
